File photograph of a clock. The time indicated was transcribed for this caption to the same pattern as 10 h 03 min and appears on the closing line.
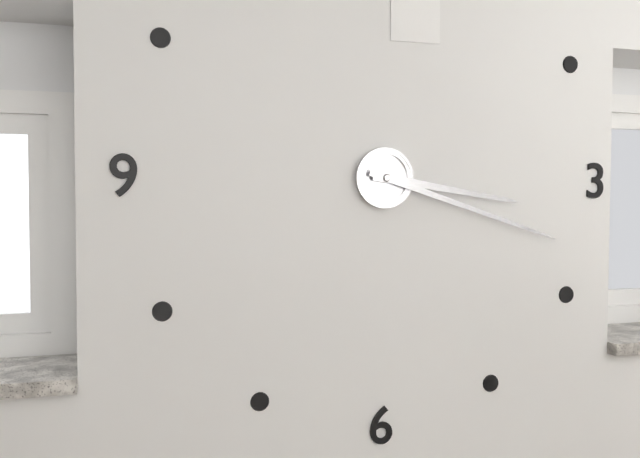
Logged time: 3 h 18 min
